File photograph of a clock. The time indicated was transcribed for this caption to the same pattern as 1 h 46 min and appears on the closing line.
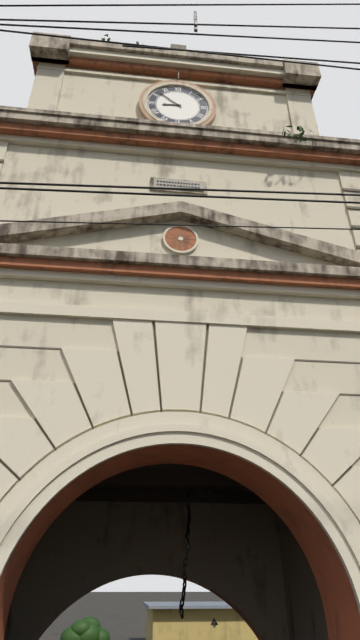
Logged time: 8 h 52 min
